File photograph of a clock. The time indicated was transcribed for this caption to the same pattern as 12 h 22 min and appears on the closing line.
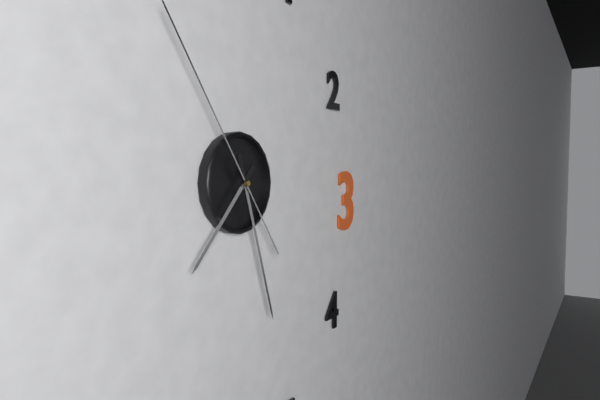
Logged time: 7 h 27 min
